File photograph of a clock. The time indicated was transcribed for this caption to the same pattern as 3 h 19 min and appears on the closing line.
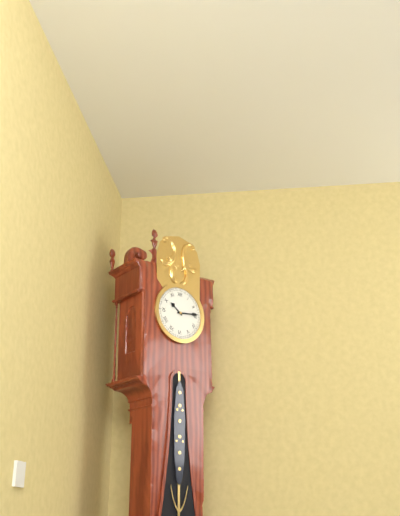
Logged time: 10 h 14 min
